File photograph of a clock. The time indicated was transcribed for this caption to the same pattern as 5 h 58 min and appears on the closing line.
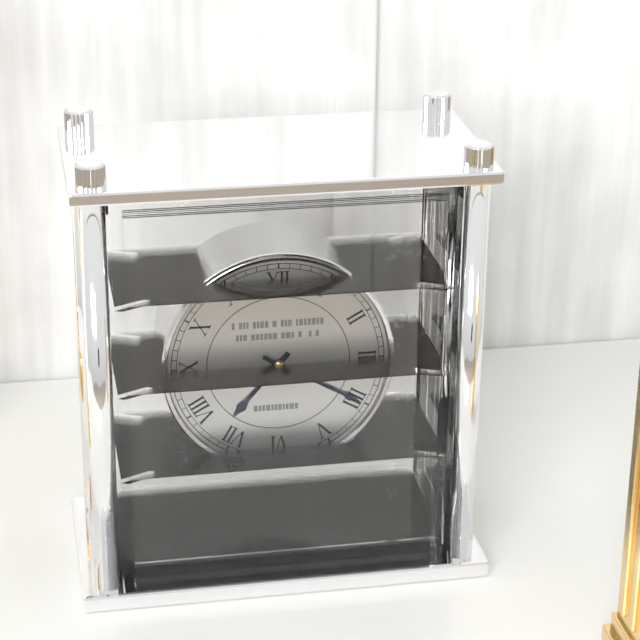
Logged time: 7 h 20 min
